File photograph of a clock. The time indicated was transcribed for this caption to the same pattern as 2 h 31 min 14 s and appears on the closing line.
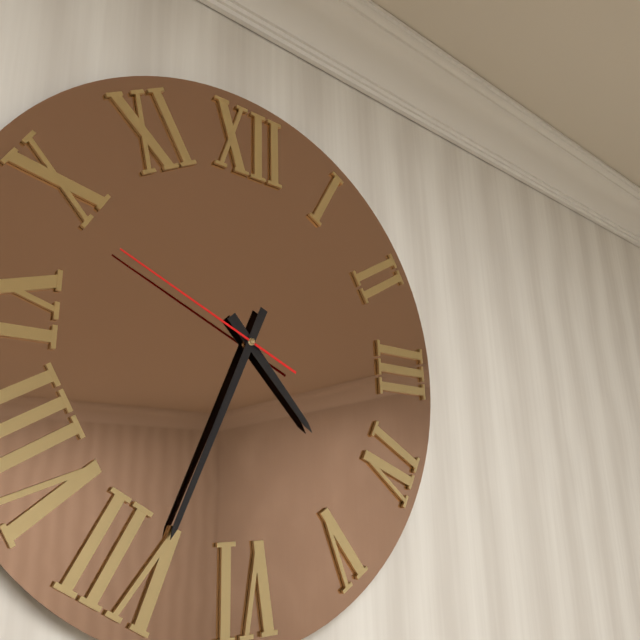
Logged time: 4 h 34 min 49 s
